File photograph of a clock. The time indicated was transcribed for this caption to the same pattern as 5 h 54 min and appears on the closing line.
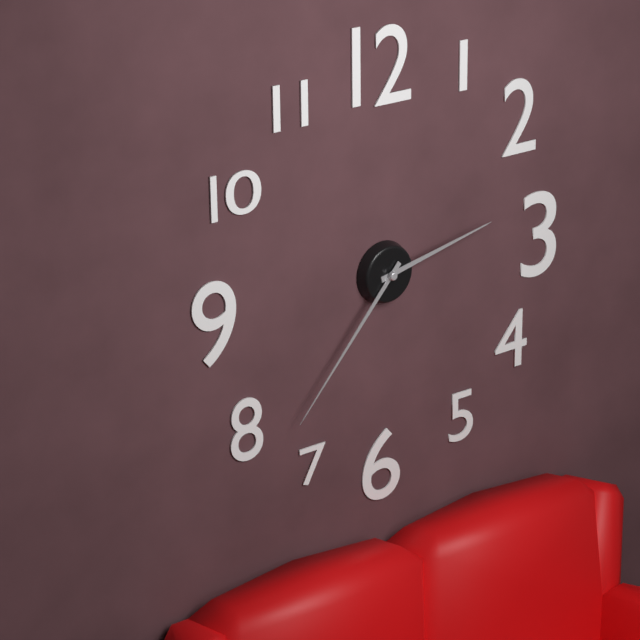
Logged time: 2 h 37 min
